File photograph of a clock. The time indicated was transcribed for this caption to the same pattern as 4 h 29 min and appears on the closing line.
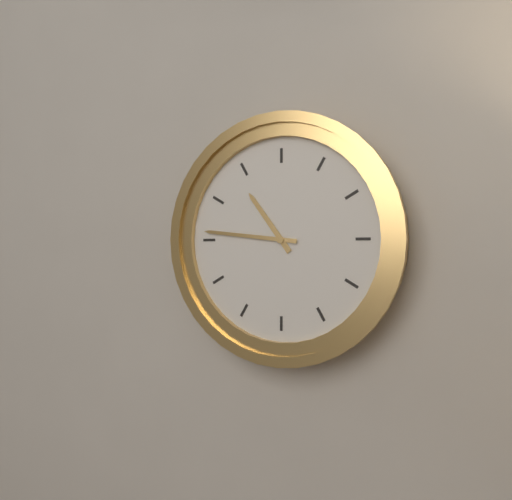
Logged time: 10 h 46 min
